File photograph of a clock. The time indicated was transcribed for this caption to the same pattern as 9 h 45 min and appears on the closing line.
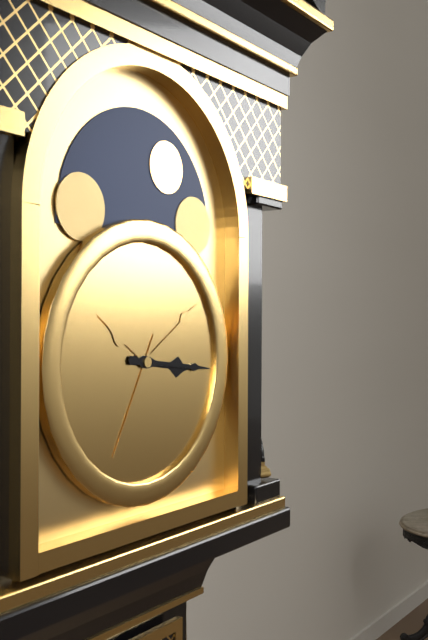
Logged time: 3 h 16 min
